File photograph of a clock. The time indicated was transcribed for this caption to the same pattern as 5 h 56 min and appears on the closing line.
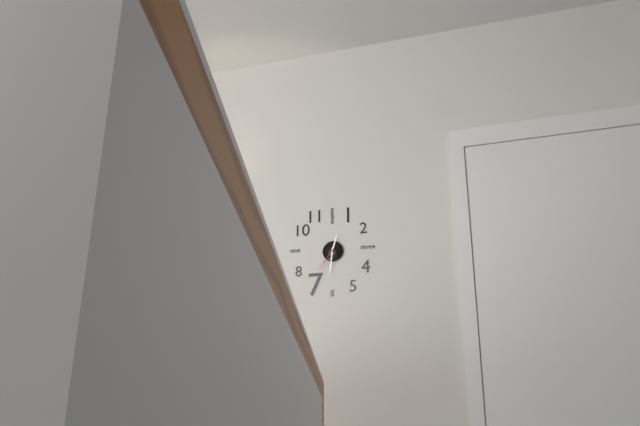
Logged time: 12 h 31 min
